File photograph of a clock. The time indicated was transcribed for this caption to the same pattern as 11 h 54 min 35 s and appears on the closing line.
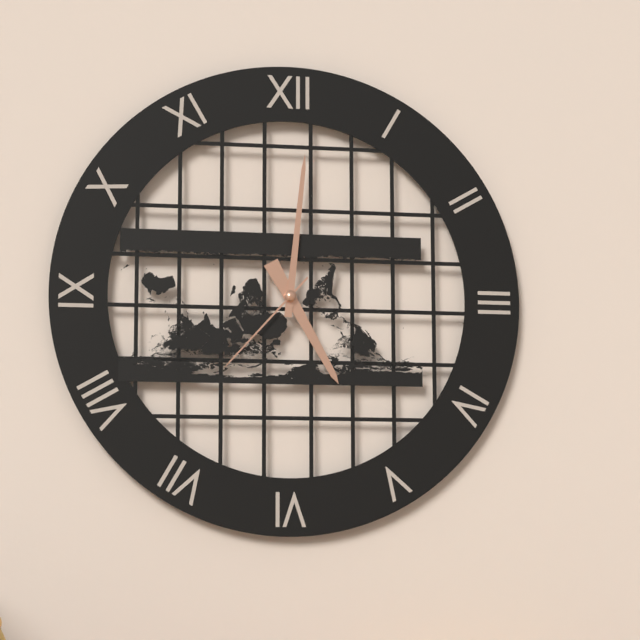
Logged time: 5 h 01 min 37 s
